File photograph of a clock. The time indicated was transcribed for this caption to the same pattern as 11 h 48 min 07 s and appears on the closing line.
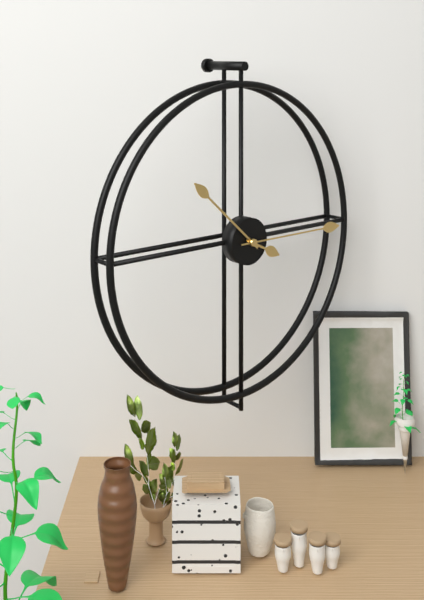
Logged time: 3 h 52 min 15 s
